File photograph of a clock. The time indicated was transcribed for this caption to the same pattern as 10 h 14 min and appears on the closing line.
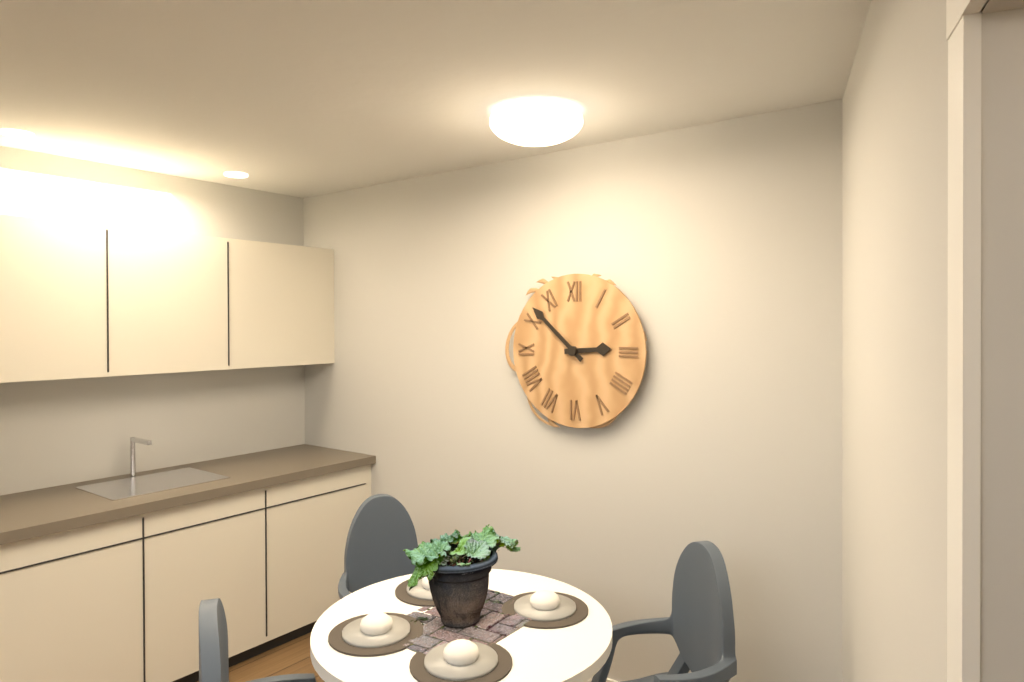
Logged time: 2 h 52 min
